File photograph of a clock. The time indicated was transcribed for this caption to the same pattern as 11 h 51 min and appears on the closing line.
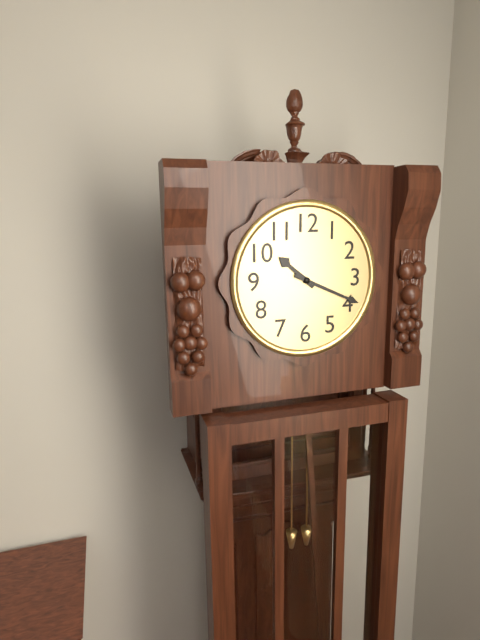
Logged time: 10 h 19 min
